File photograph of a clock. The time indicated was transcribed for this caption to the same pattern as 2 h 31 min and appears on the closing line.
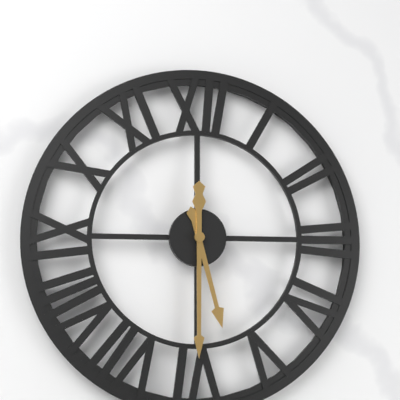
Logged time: 5 h 30 min
